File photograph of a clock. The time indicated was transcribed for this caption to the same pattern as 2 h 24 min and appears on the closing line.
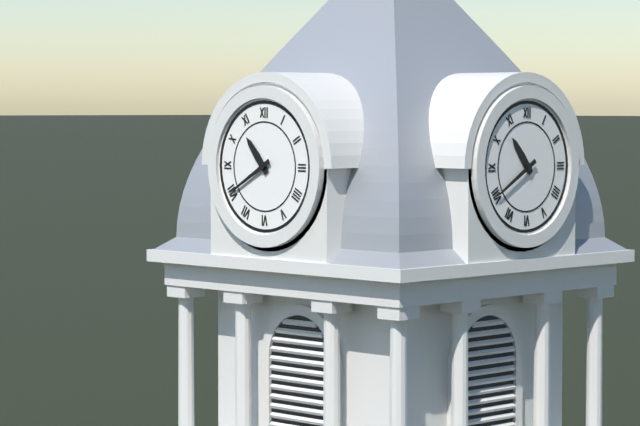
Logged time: 10 h 40 min
